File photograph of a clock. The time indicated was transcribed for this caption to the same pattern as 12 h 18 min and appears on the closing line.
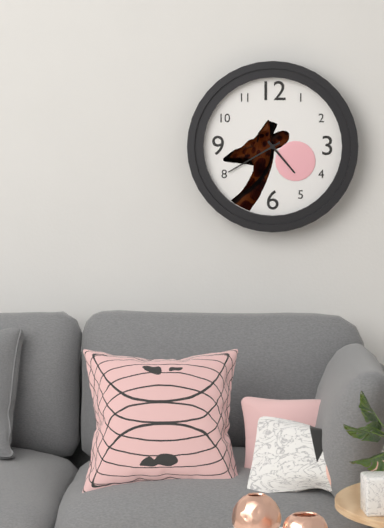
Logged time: 4 h 40 min
